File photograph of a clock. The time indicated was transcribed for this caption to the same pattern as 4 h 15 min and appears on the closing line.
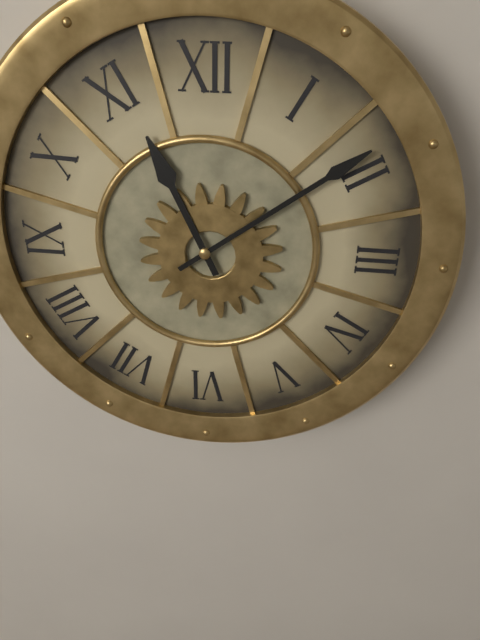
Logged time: 11 h 09 min
